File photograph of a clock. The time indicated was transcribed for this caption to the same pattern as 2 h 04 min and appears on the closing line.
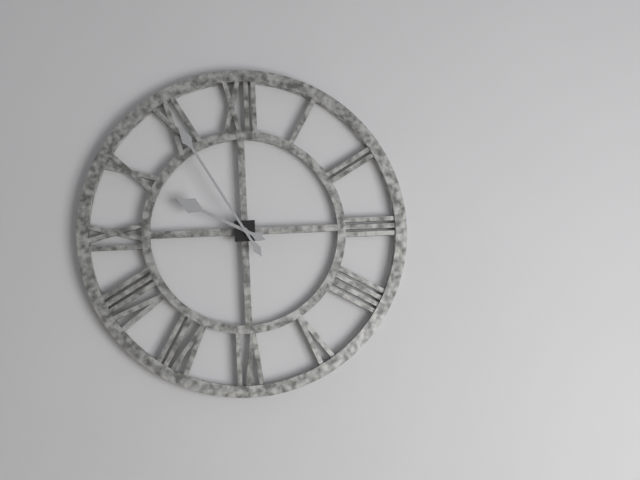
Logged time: 9 h 55 min
